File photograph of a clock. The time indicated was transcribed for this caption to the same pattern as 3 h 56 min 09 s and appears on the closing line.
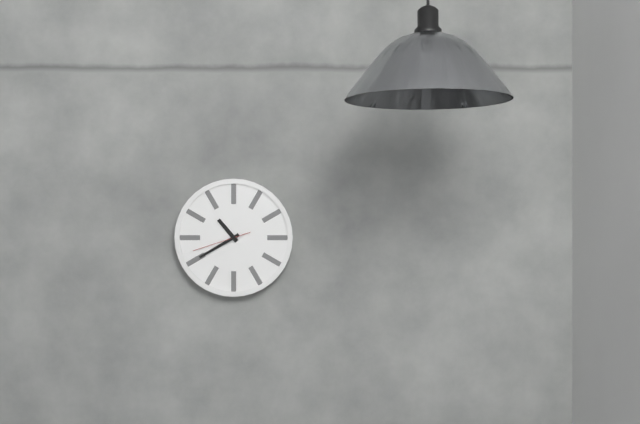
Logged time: 10 h 40 min 42 s
